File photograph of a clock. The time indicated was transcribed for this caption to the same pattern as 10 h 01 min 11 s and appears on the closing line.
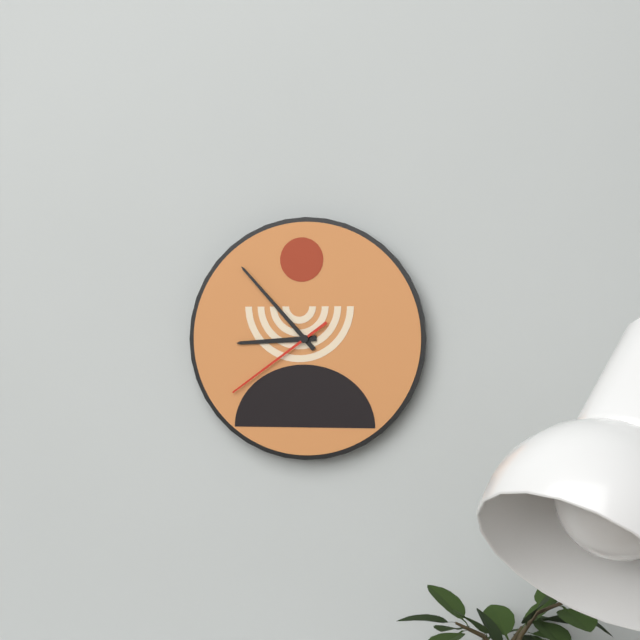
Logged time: 8 h 53 min 39 s
